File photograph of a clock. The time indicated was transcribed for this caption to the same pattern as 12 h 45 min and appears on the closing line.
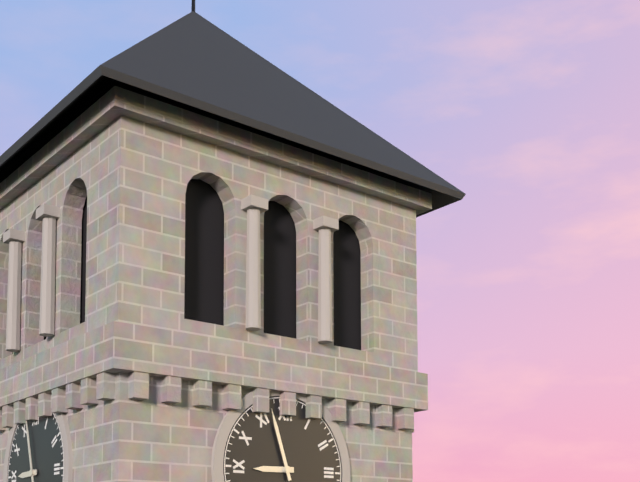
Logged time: 8 h 57 min
